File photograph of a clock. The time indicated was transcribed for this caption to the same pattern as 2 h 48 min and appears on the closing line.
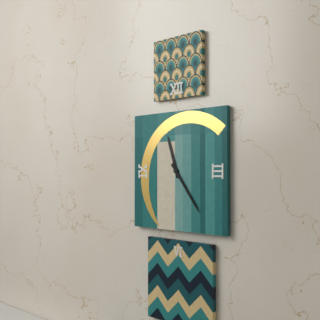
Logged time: 11 h 24 min
